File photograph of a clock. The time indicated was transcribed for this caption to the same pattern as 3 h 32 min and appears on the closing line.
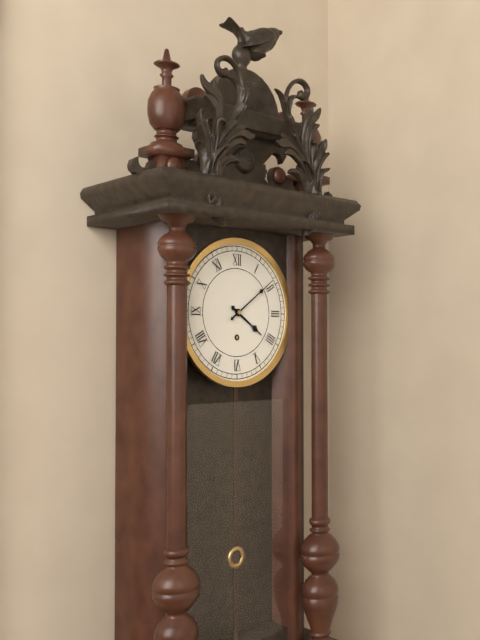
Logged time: 4 h 09 min
